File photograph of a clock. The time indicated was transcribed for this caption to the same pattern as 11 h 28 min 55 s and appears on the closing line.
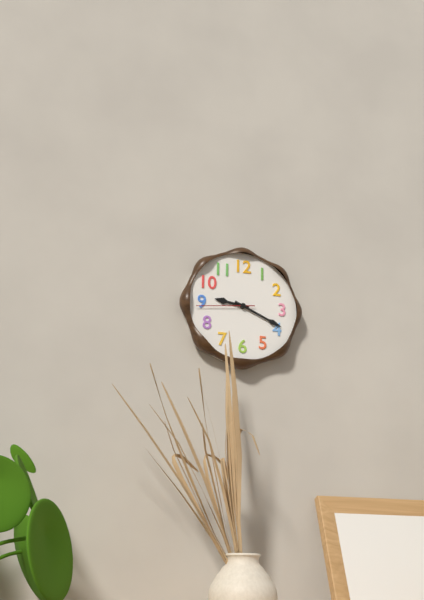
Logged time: 9 h 19 min 44 s
